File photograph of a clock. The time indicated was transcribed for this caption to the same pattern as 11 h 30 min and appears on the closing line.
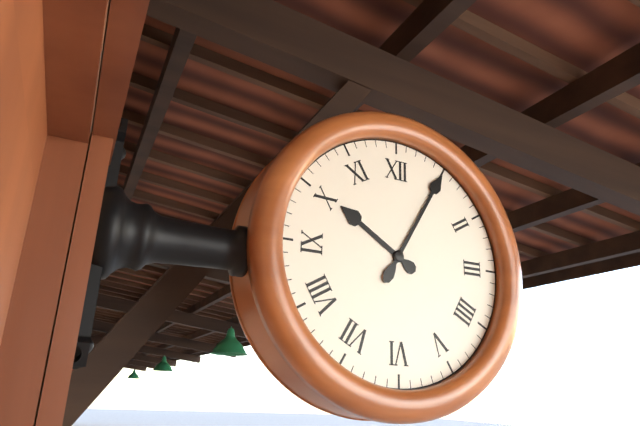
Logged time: 10 h 05 min
